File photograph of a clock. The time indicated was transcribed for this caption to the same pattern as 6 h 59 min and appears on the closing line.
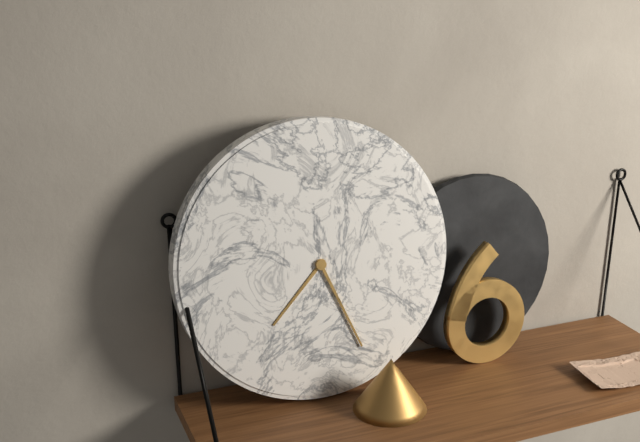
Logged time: 7 h 26 min
